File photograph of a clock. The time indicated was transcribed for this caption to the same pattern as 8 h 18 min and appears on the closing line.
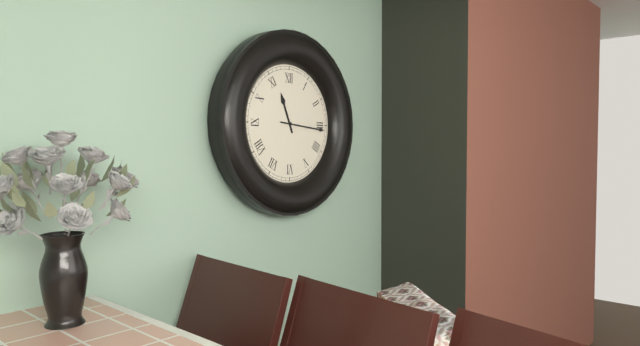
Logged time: 11 h 16 min
